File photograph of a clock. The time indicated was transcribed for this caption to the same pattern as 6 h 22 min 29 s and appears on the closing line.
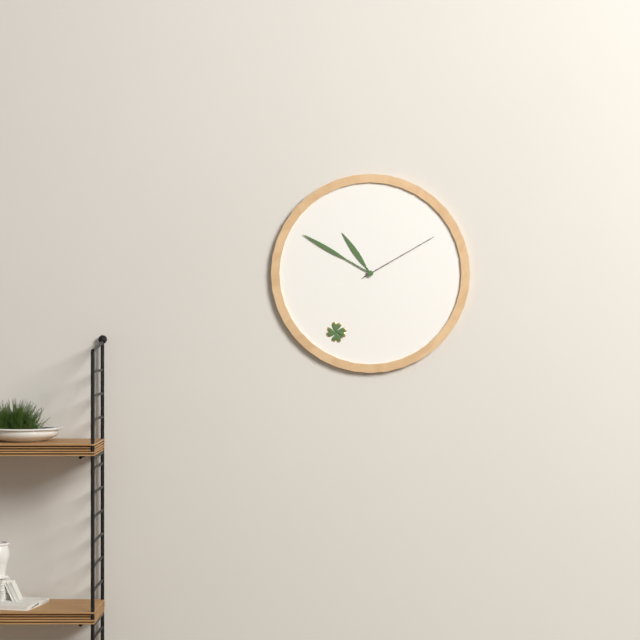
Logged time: 10 h 50 min 10 s
